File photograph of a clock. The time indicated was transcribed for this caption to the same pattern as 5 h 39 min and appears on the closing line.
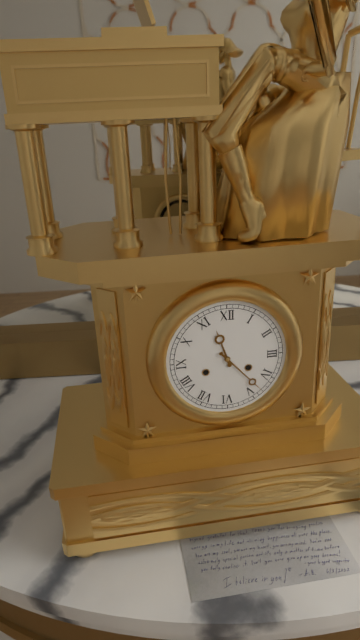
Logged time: 11 h 23 min
